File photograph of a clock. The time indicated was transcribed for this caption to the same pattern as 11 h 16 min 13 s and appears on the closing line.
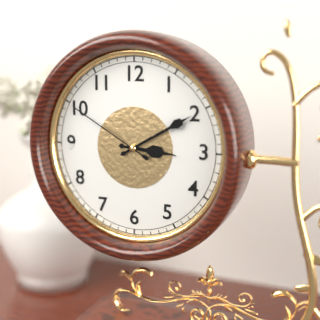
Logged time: 3 h 10 min 50 s
